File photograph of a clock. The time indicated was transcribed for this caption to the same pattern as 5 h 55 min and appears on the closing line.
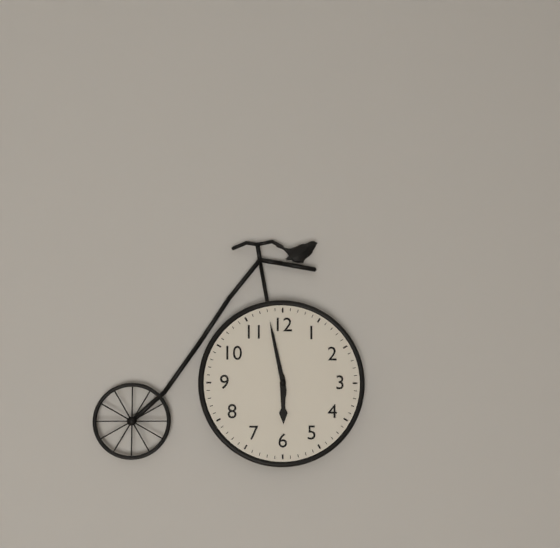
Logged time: 5 h 58 min
